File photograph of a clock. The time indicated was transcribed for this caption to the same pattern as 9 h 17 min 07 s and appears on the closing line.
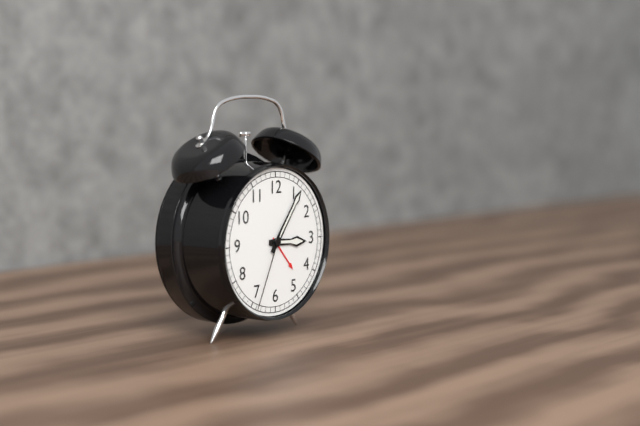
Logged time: 3 h 06 min 34 s
